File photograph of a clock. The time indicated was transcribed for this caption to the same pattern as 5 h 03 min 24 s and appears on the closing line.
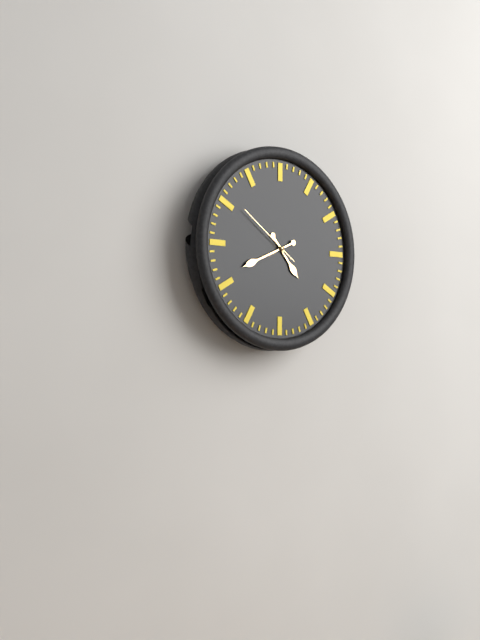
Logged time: 4 h 41 min 51 s
